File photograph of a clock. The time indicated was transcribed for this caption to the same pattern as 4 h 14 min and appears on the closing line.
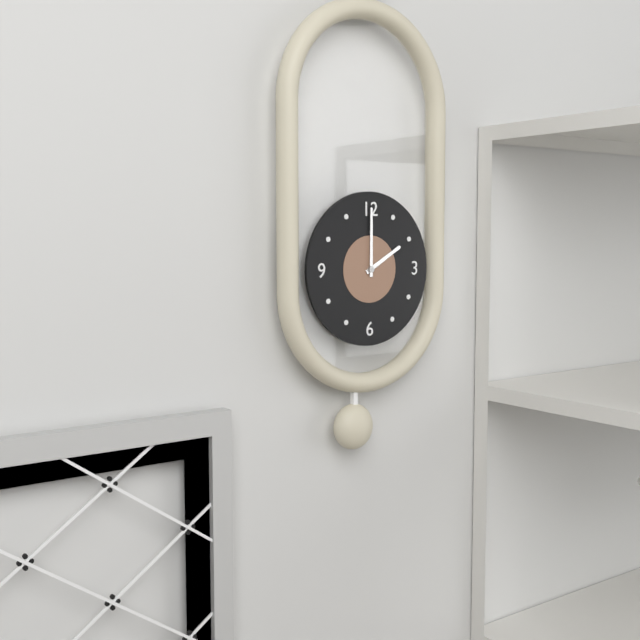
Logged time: 2 h 00 min
